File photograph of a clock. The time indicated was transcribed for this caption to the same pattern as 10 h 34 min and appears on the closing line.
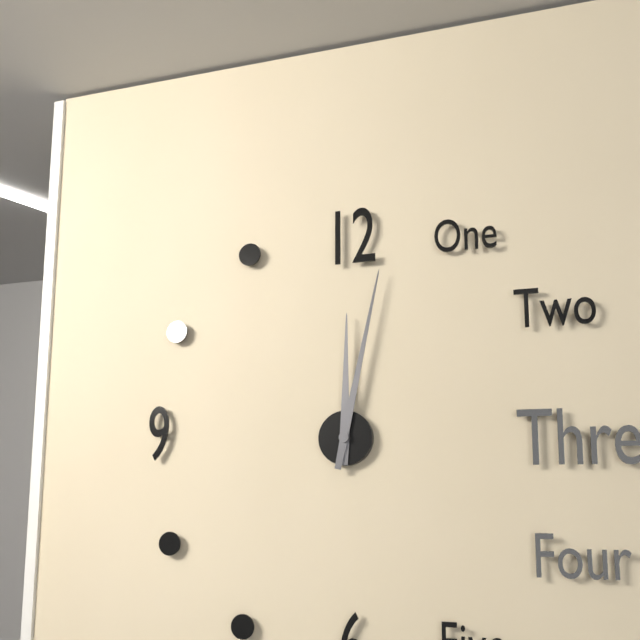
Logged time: 12 h 02 min
